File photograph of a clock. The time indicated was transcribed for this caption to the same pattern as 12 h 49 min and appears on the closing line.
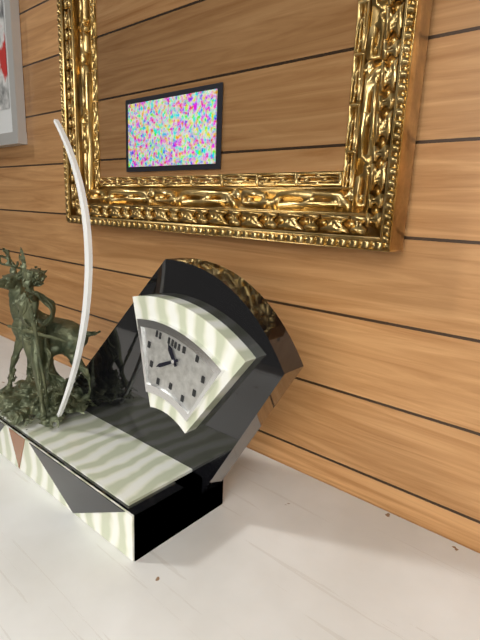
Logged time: 10 h 39 min
